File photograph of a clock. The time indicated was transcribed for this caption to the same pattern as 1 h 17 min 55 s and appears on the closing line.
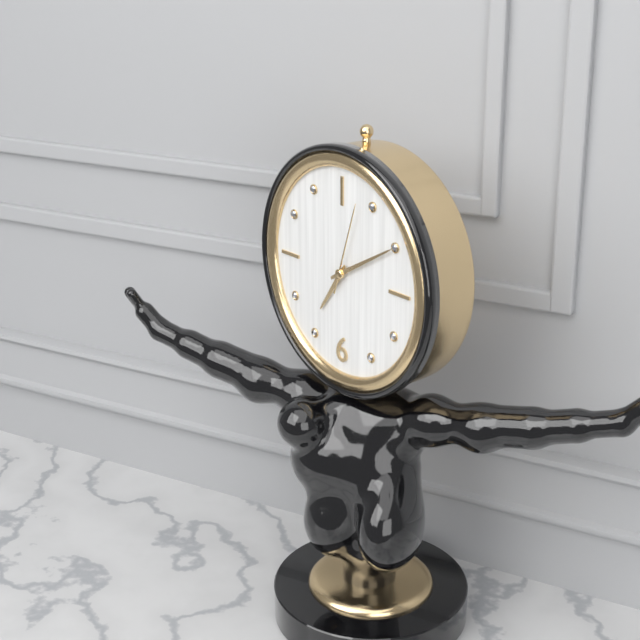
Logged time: 7 h 10 min 03 s
